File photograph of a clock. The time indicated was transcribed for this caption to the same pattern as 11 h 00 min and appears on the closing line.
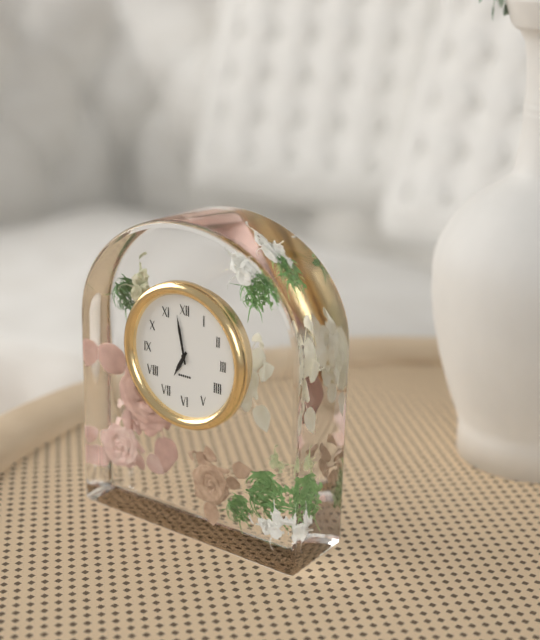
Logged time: 6 h 58 min
